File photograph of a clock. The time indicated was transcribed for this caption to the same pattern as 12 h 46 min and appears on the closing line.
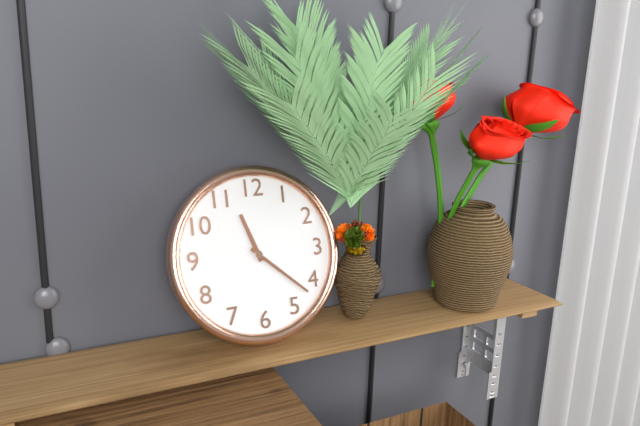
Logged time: 11 h 22 min
